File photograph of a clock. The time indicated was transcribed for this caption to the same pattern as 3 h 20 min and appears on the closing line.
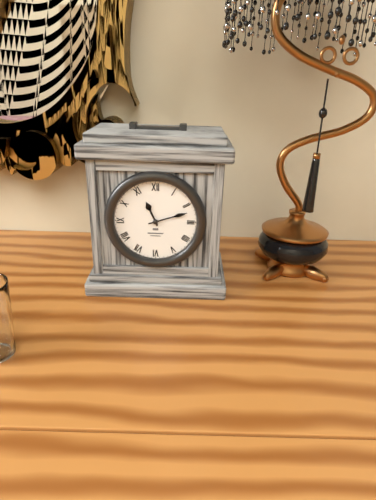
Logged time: 11 h 12 min
